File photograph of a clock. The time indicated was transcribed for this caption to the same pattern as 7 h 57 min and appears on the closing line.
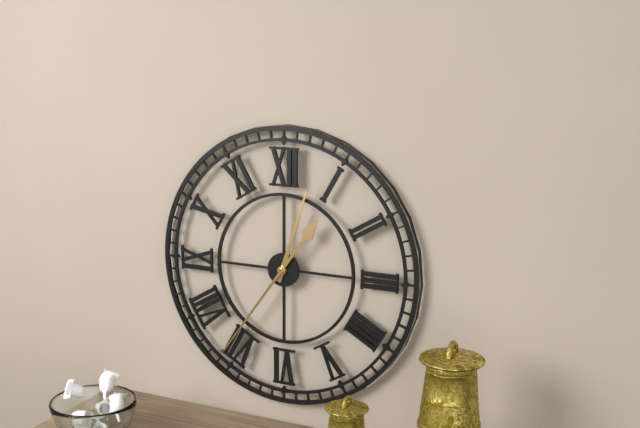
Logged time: 12 h 36 min
